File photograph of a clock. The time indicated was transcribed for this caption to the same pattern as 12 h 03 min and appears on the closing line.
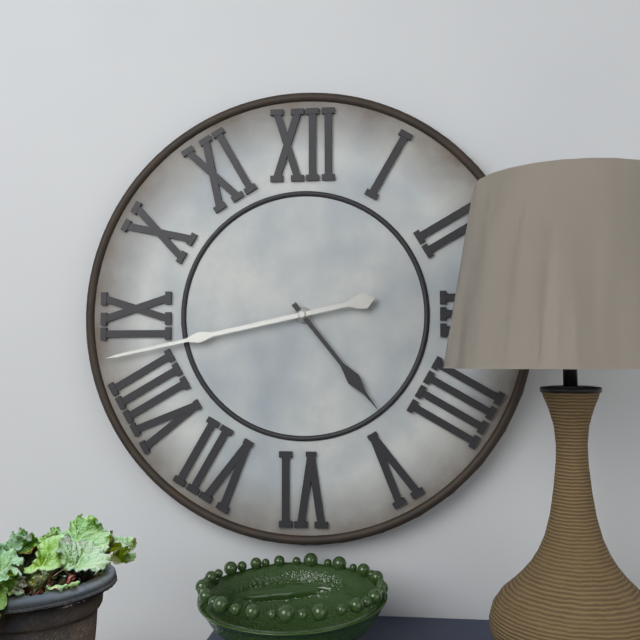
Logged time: 4 h 43 min
